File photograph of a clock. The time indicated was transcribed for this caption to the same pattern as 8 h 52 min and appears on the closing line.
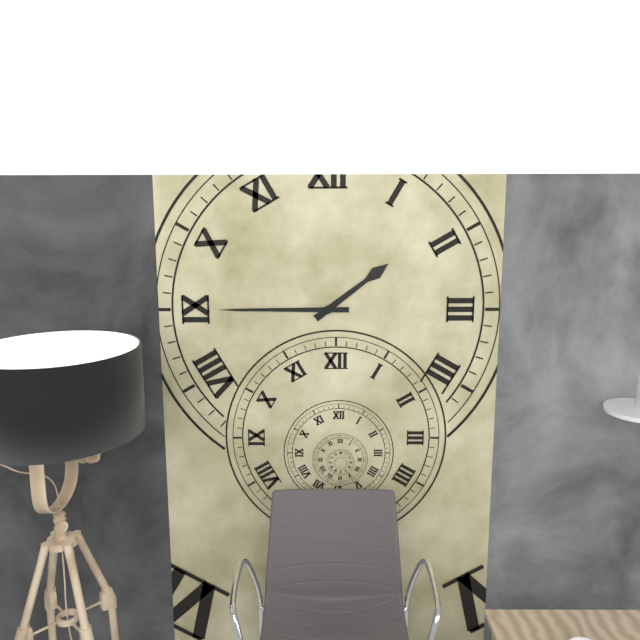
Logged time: 1 h 45 min
